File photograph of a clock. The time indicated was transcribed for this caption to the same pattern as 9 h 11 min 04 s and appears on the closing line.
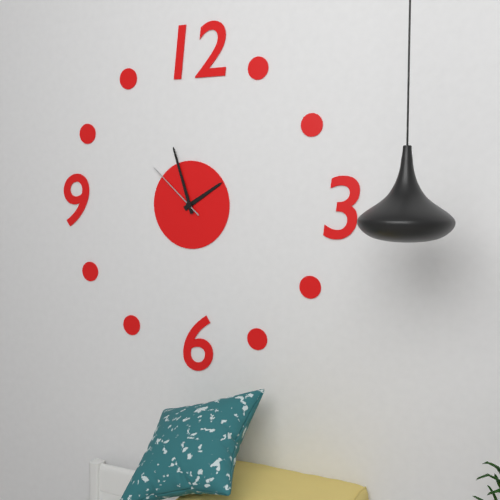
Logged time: 1 h 57 min 52 s
